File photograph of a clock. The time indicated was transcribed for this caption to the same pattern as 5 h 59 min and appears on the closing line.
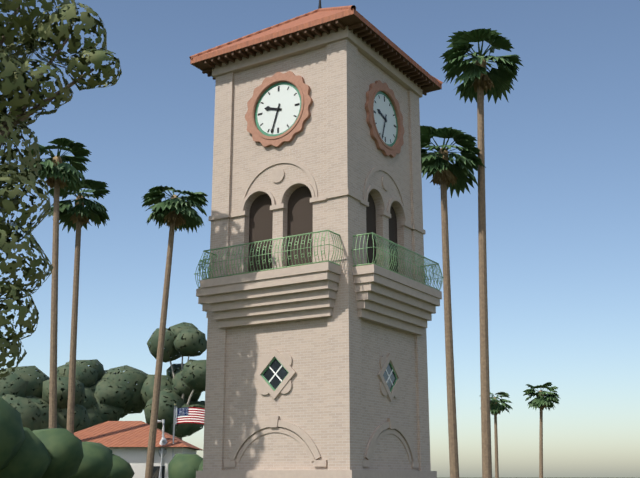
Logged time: 9 h 33 min
